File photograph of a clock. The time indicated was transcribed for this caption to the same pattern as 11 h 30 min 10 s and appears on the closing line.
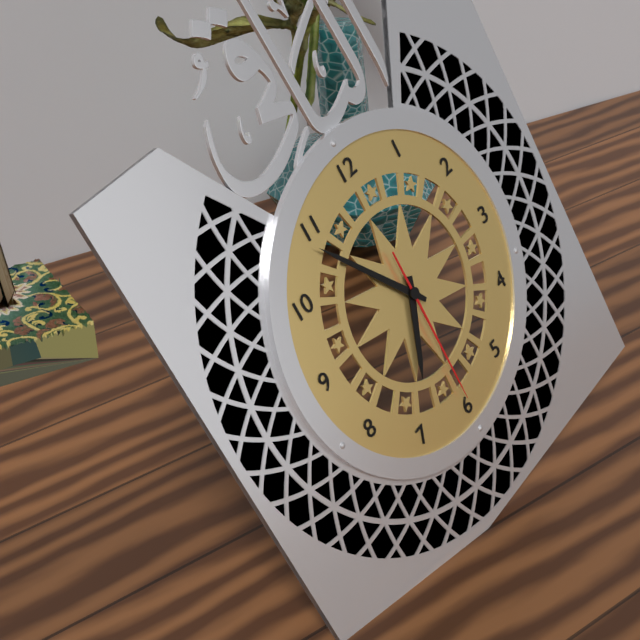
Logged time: 6 h 54 min 30 s
